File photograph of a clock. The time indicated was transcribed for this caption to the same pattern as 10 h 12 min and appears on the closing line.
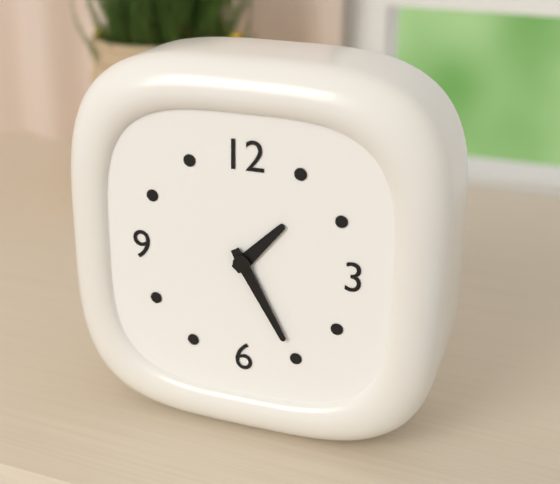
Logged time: 1 h 25 min
